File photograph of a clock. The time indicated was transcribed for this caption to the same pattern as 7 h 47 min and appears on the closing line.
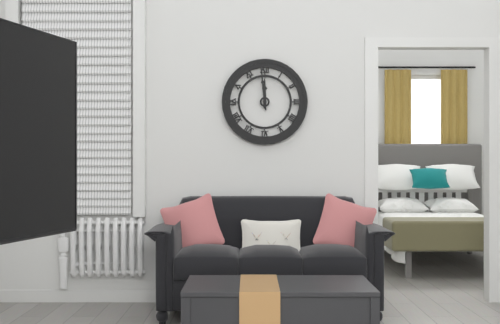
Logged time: 11 h 59 min
